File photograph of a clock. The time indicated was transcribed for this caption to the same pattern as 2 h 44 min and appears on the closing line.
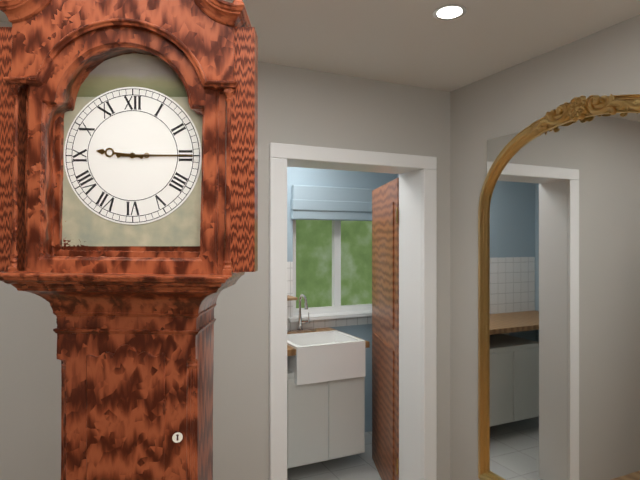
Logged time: 9 h 15 min
